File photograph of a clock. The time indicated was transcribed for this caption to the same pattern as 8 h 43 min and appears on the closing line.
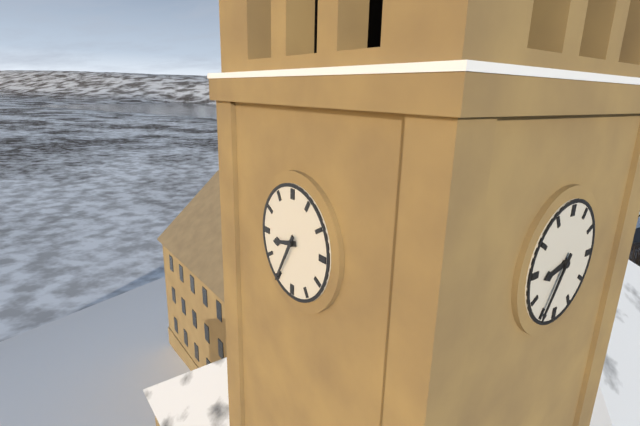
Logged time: 8 h 35 min
